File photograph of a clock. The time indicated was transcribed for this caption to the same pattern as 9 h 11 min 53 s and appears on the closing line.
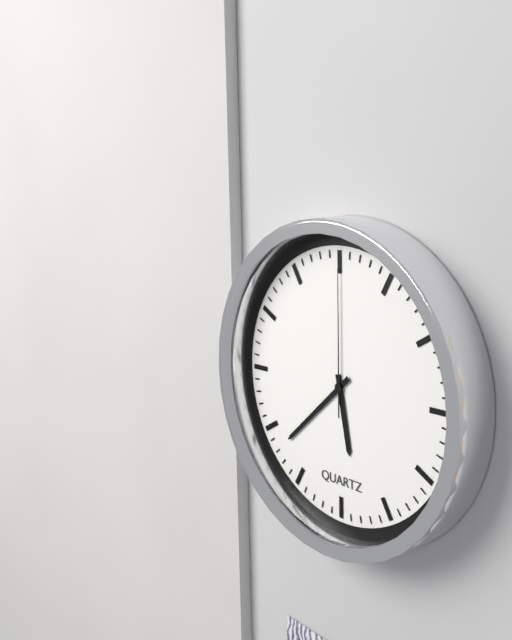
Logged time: 5 h 38 min 00 s
